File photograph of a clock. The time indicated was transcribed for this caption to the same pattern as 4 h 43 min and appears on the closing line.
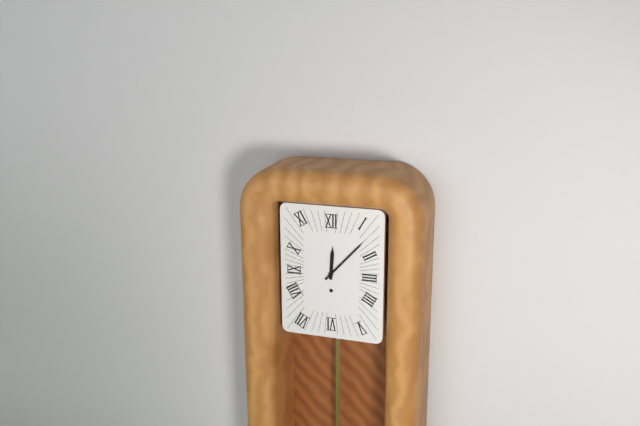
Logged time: 12 h 07 min
